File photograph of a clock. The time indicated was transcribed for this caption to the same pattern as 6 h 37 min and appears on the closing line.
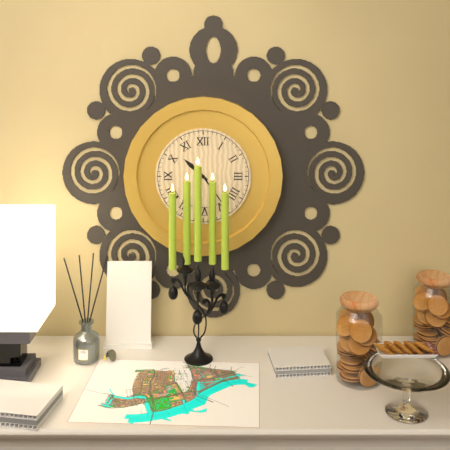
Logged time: 10 h 24 min
